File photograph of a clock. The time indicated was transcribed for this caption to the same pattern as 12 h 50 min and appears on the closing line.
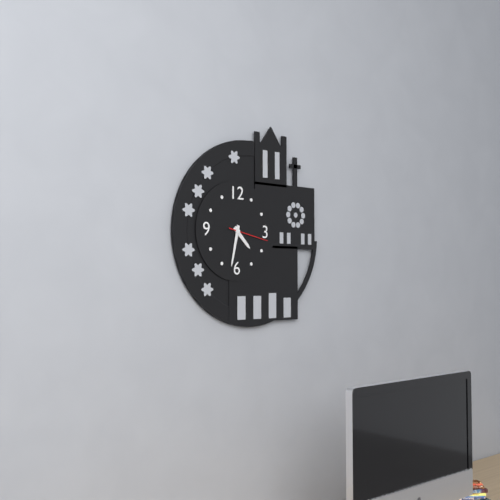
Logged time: 4 h 32 min
